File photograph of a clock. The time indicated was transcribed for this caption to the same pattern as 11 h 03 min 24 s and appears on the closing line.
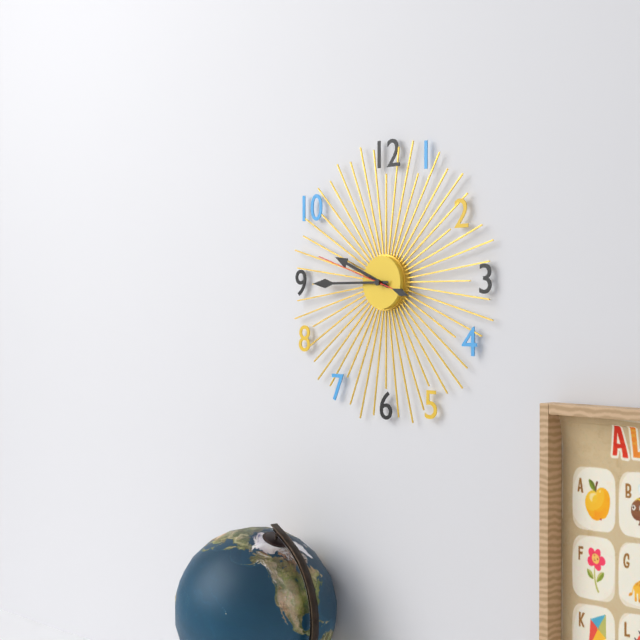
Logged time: 9 h 45 min 48 s
